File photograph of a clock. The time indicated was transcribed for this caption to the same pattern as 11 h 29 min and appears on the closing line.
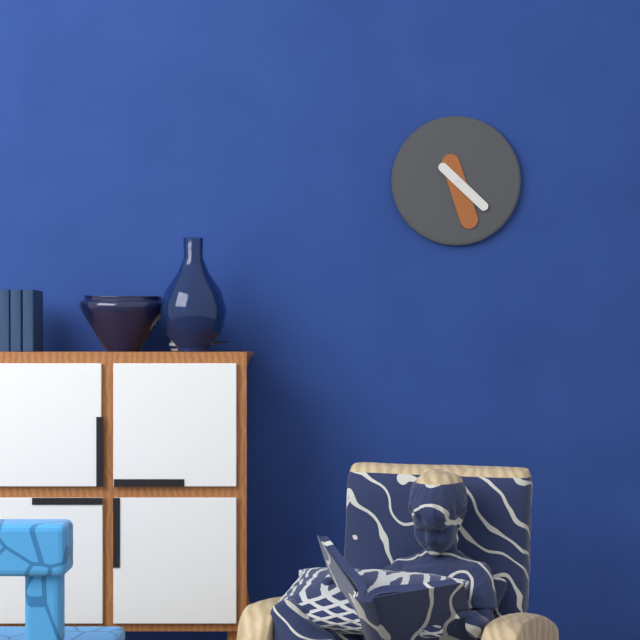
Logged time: 4 h 27 min
